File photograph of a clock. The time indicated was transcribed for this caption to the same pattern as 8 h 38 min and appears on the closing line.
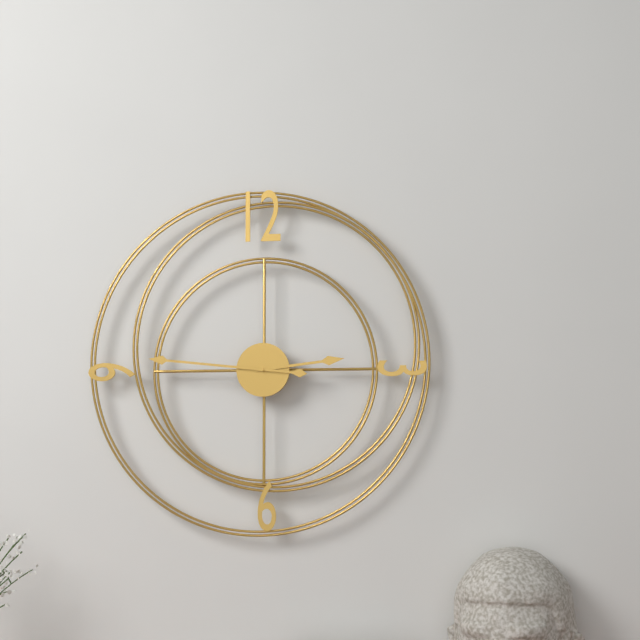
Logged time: 2 h 46 min
